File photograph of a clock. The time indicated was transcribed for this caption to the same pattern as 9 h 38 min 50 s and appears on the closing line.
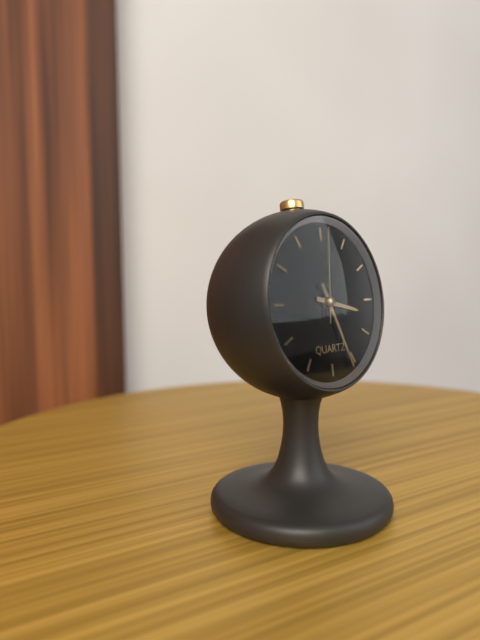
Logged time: 3 h 26 min 01 s
